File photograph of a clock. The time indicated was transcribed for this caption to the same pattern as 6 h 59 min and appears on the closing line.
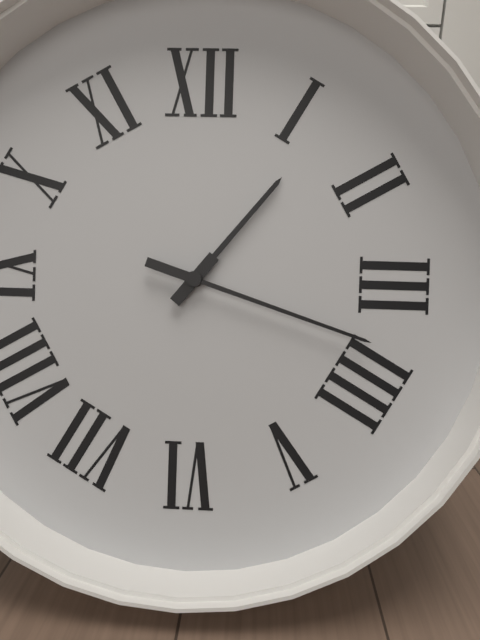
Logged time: 1 h 18 min
